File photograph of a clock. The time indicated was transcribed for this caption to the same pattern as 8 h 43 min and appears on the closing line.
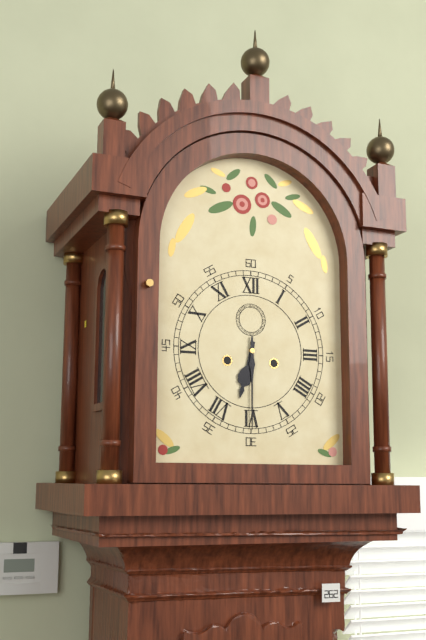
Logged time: 6 h 30 min
